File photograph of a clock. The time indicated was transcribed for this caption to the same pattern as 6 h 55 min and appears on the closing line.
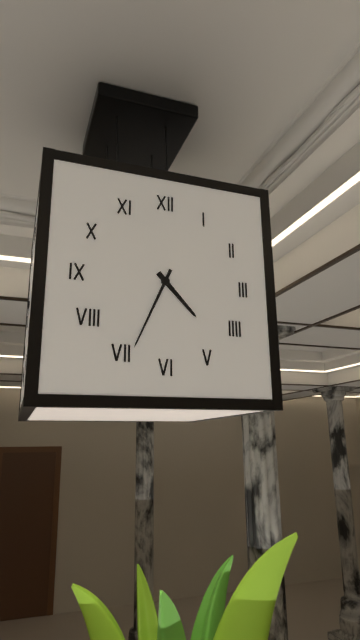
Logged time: 4 h 34 min
